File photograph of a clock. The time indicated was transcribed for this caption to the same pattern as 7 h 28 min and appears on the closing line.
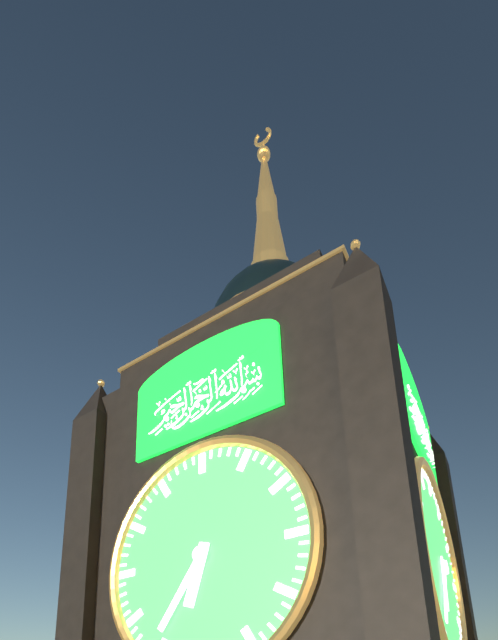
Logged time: 6 h 36 min
